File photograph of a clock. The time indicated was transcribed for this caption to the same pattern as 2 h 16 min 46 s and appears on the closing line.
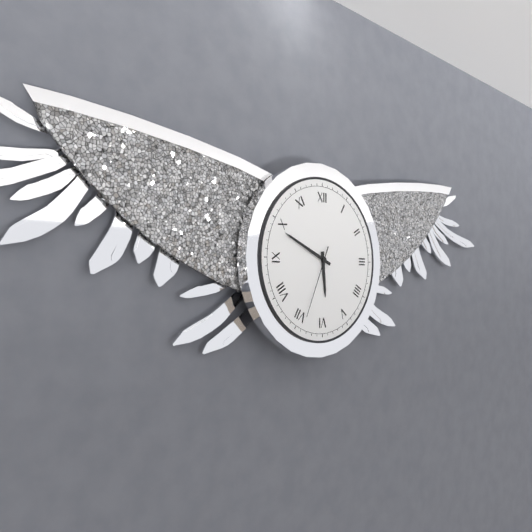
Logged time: 5 h 49 min 34 s
